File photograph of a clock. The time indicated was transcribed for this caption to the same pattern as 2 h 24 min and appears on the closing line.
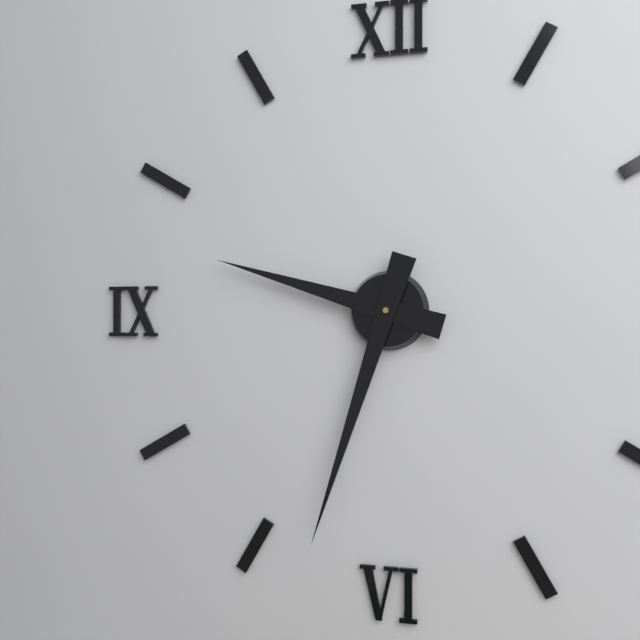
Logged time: 9 h 33 min
